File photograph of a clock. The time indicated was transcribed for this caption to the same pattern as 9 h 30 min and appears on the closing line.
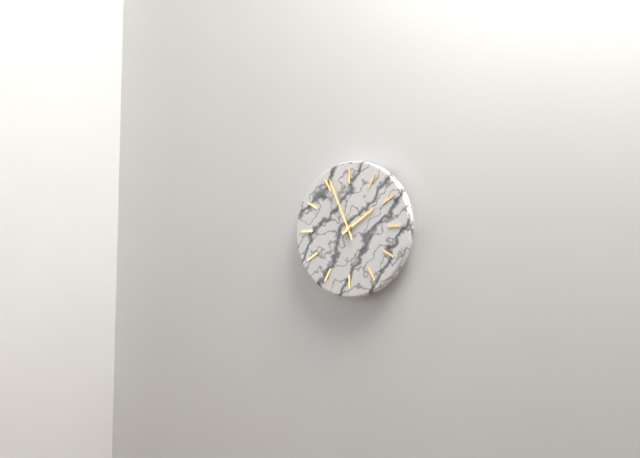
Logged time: 1 h 56 min
